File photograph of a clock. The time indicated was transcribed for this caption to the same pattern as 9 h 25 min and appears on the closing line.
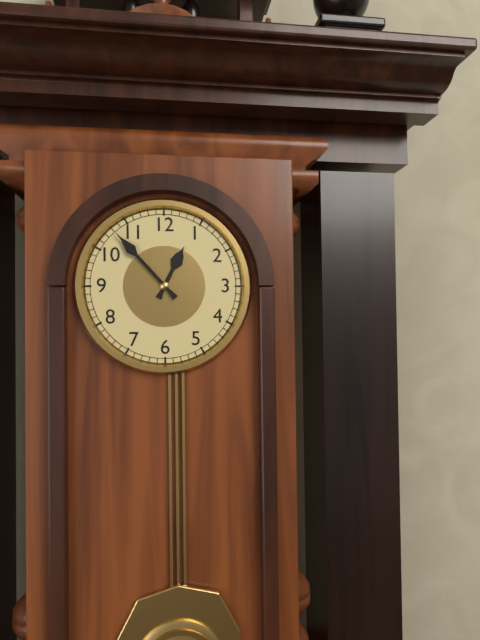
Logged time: 12 h 53 min
